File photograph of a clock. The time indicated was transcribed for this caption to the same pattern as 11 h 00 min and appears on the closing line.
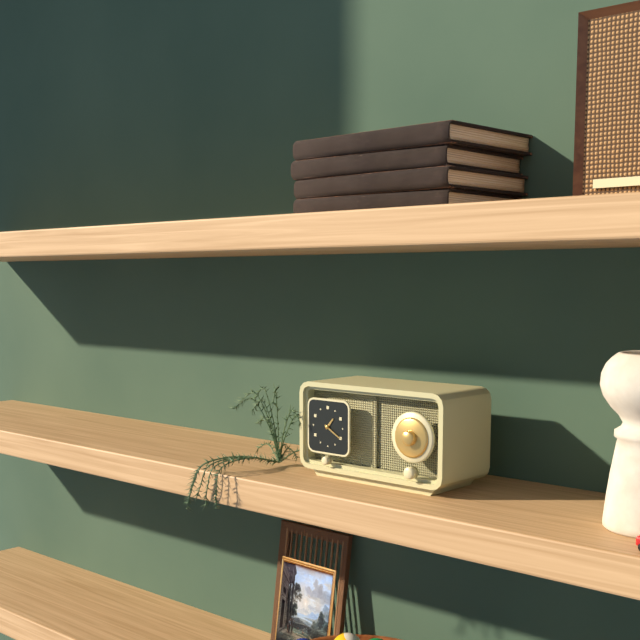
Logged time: 1 h 20 min
